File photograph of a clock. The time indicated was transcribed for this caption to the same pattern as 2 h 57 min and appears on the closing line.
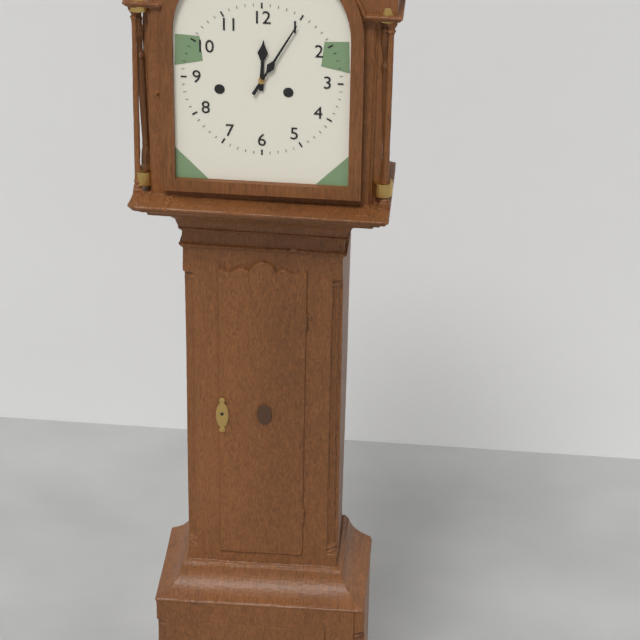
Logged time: 12 h 05 min
